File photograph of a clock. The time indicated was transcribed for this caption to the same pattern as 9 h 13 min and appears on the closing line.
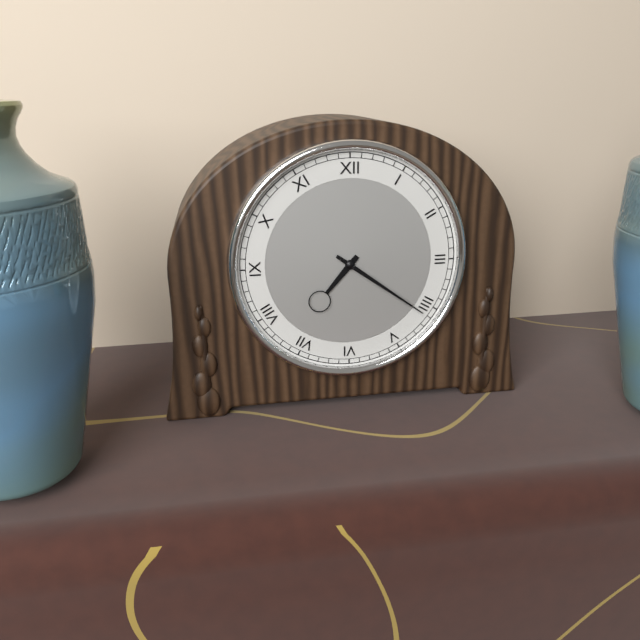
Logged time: 7 h 21 min
